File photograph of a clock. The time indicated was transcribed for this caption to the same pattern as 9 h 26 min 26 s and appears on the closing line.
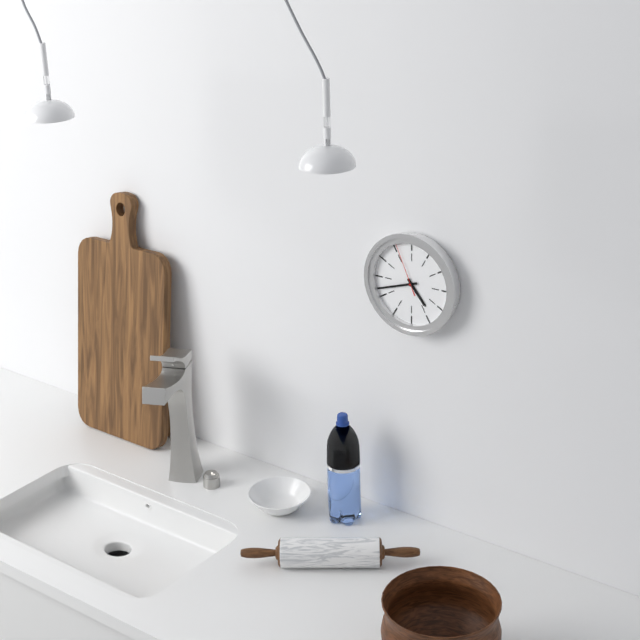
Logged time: 4 h 42 min 56 s
